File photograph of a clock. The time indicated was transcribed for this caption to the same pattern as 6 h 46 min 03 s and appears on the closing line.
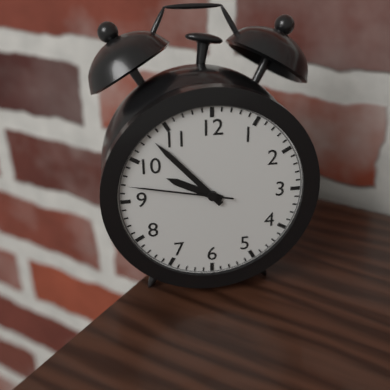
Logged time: 9 h 53 min 47 s
